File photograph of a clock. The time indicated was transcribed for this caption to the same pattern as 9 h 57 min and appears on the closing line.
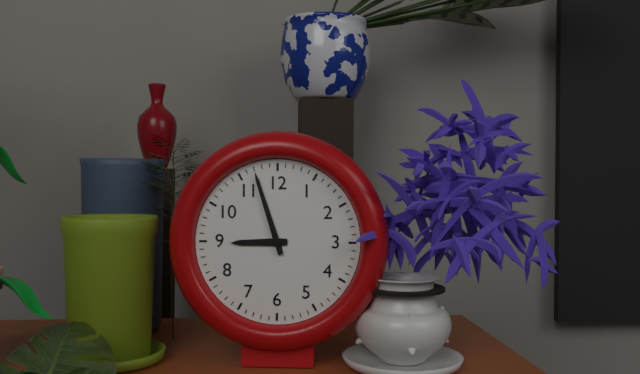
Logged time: 8 h 57 min
